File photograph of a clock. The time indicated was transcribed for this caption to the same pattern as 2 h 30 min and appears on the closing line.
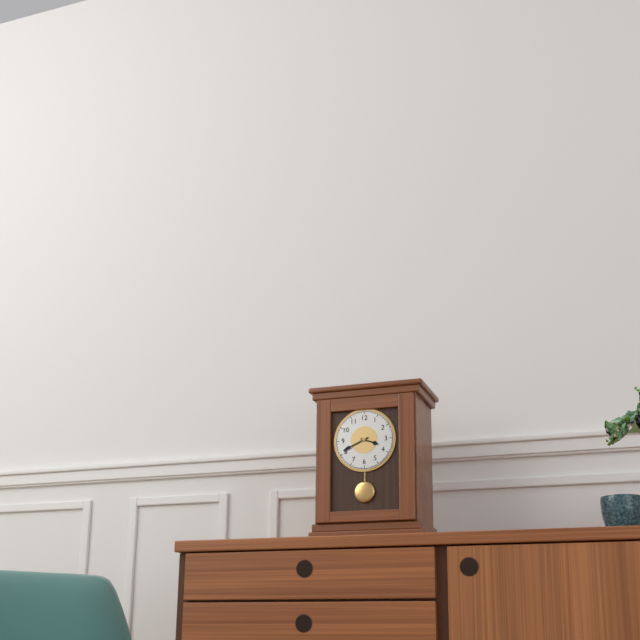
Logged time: 3 h 41 min
